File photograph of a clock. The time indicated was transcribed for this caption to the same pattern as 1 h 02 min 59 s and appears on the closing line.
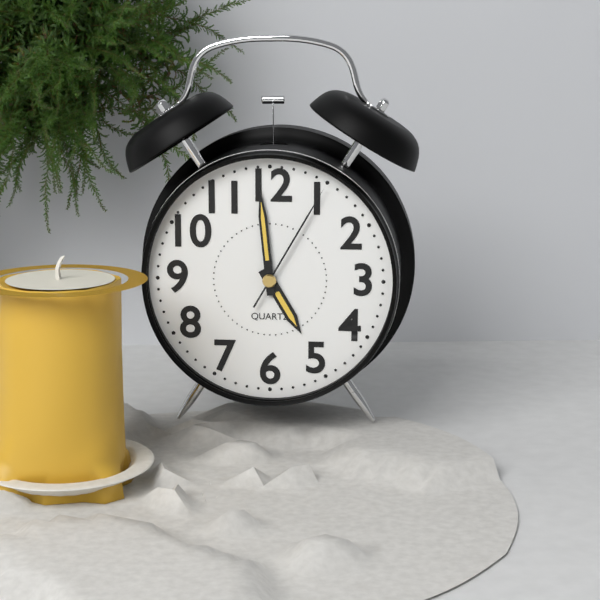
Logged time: 4 h 59 min 05 s
